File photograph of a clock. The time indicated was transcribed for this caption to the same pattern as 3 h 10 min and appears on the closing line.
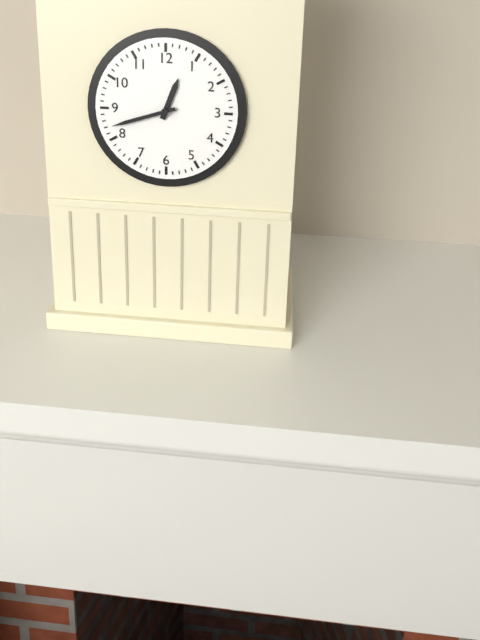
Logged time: 12 h 42 min
